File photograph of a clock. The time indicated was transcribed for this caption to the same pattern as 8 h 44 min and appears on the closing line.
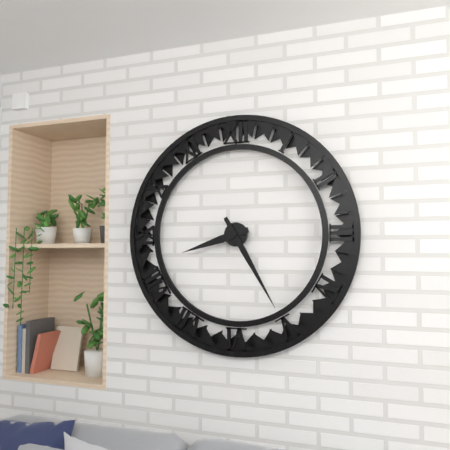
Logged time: 8 h 25 min
